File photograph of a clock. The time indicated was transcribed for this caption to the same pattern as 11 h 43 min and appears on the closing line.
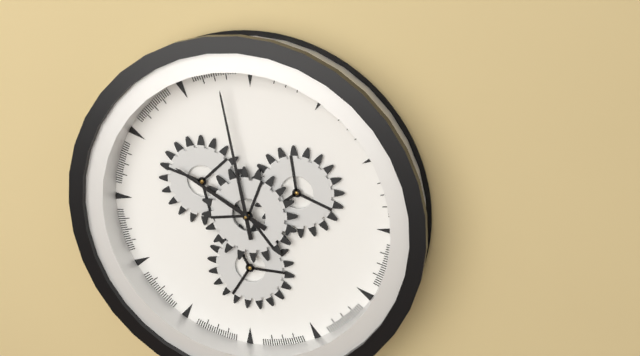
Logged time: 9 h 58 min
